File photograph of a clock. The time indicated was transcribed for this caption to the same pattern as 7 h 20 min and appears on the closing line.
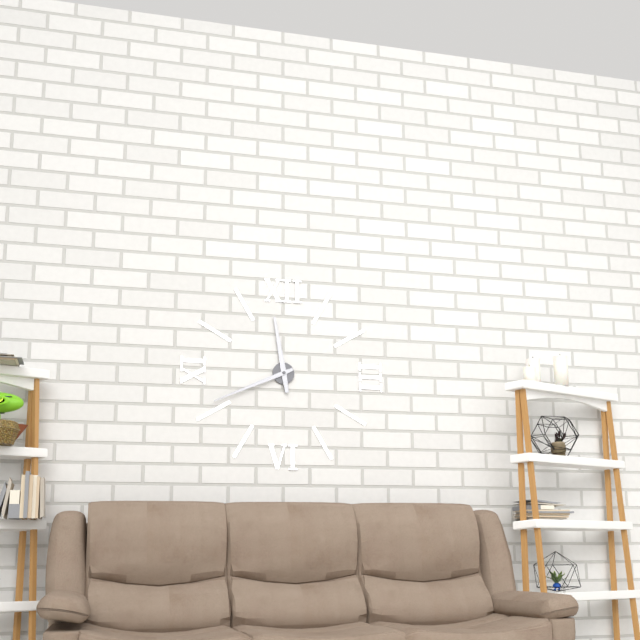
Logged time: 11 h 41 min
